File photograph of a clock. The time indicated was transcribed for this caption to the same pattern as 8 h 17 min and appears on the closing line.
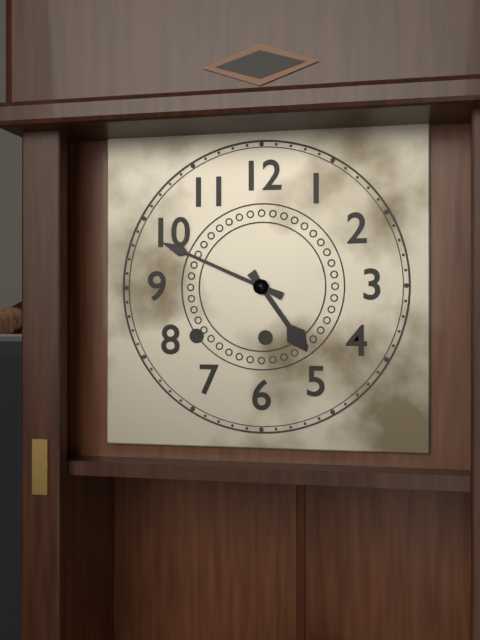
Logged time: 4 h 49 min
